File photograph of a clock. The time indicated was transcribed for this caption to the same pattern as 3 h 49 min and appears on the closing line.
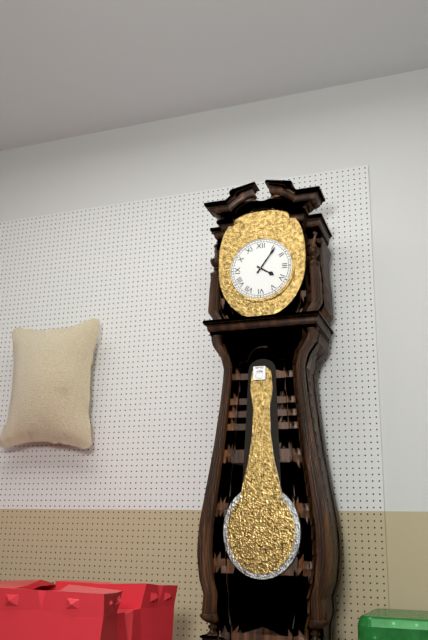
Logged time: 4 h 06 min
